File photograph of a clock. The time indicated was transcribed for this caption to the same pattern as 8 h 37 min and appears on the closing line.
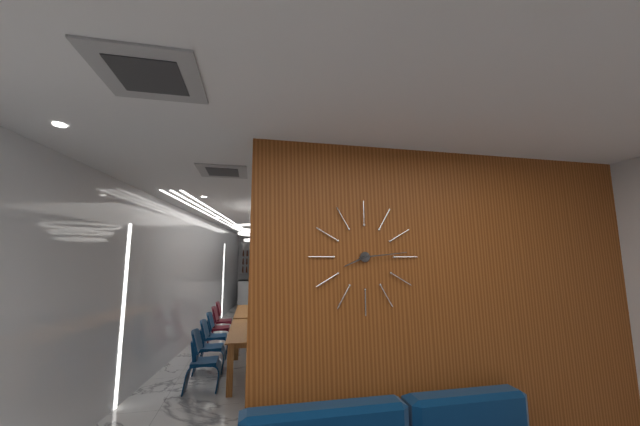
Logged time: 8 h 14 min
